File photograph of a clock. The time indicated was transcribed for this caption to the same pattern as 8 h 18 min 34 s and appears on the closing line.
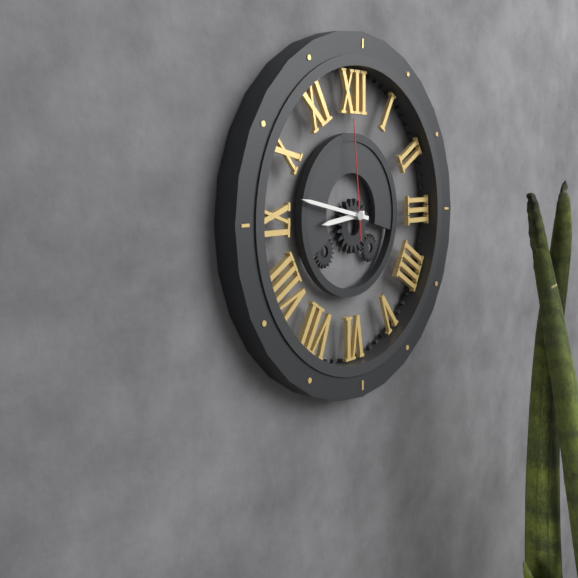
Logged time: 8 h 47 min 59 s
